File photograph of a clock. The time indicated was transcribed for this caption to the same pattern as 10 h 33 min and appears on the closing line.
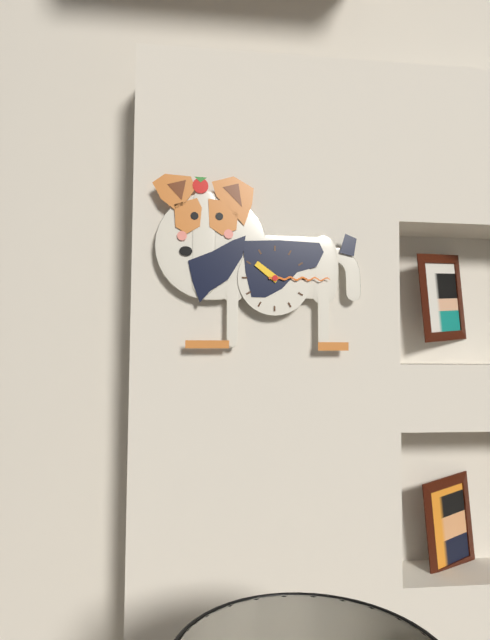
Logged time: 10 h 15 min
